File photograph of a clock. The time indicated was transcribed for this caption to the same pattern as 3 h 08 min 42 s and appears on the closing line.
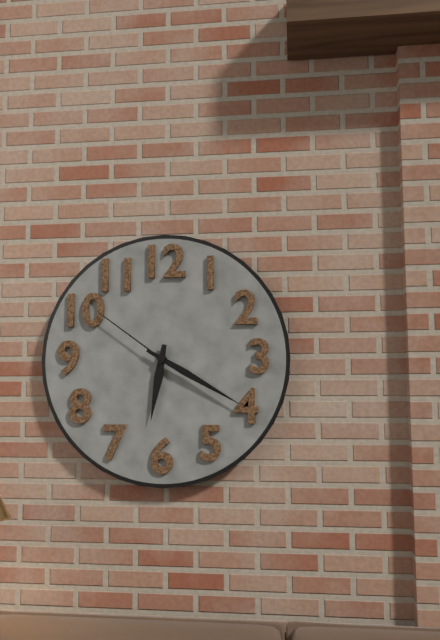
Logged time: 6 h 20 min 51 s
